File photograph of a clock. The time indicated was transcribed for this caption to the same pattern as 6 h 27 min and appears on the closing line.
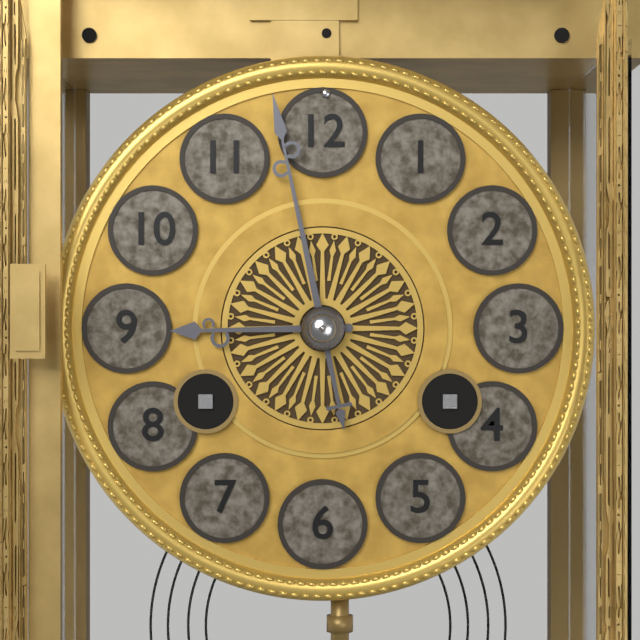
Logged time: 8 h 58 min
